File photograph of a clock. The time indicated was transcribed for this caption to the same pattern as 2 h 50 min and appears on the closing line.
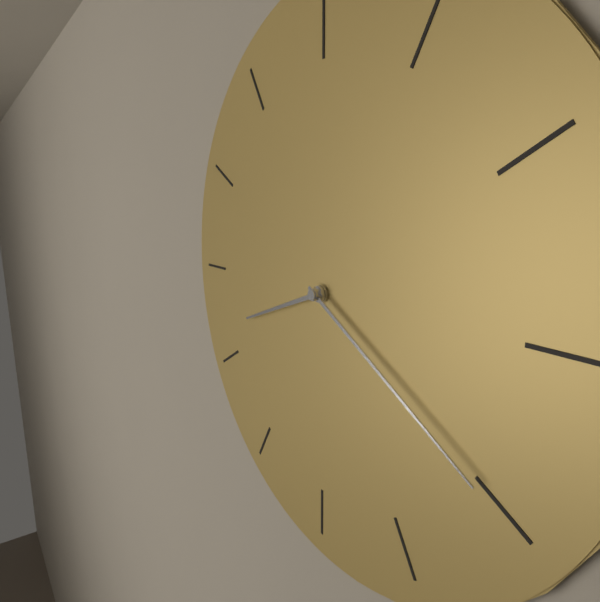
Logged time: 8 h 20 min
